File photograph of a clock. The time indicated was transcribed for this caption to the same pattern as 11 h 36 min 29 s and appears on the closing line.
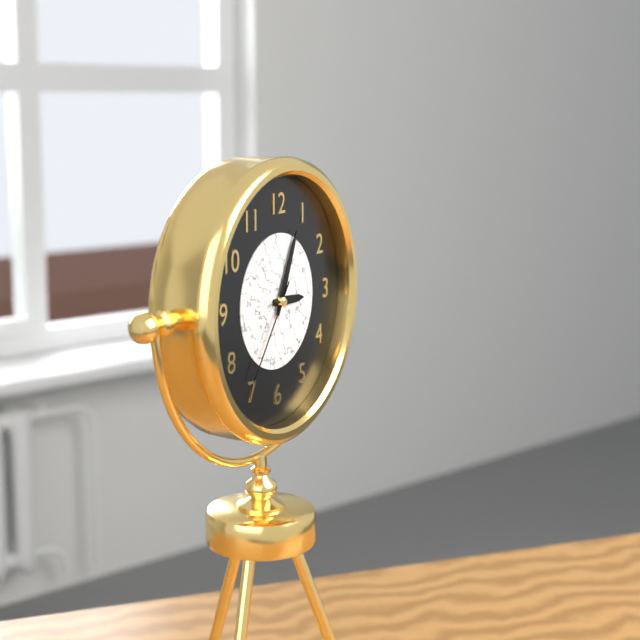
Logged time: 3 h 04 min 36 s
